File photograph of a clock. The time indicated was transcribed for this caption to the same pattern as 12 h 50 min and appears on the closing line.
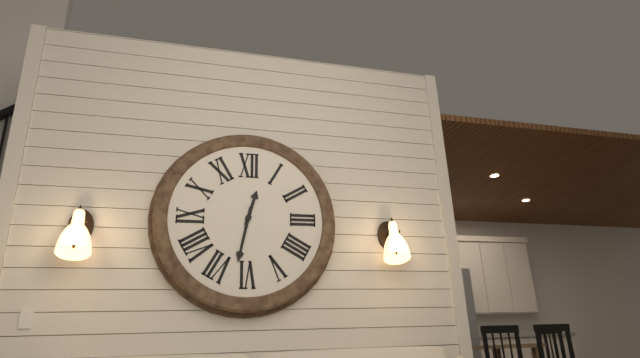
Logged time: 12 h 32 min
